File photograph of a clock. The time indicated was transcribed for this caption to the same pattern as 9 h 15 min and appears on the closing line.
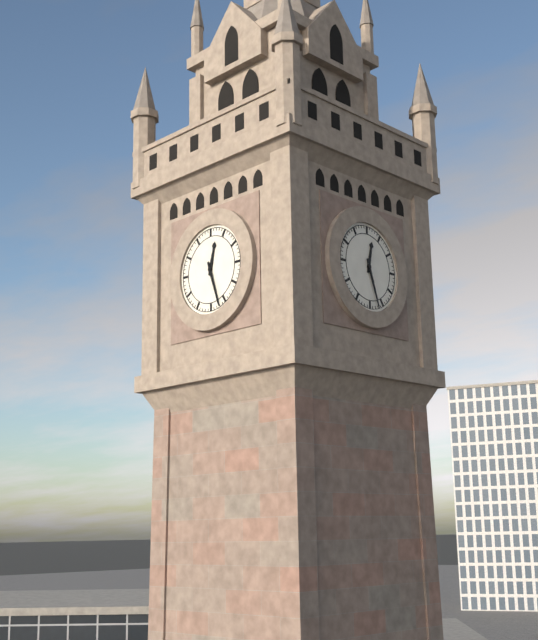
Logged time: 12 h 27 min
